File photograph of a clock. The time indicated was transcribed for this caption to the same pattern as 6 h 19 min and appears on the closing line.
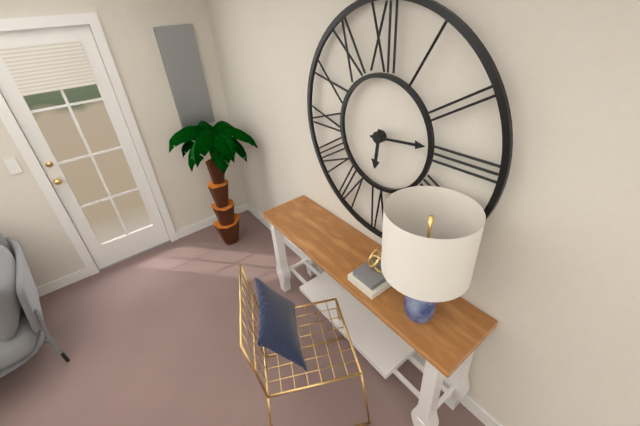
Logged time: 6 h 14 min
